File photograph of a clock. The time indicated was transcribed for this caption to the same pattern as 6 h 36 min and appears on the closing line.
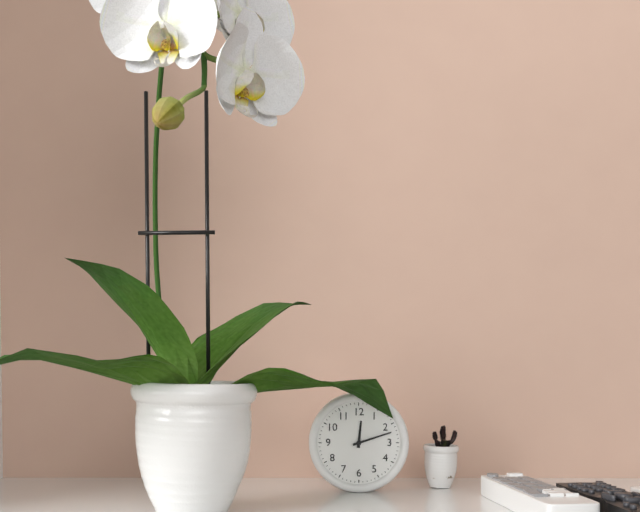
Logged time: 12 h 12 min
